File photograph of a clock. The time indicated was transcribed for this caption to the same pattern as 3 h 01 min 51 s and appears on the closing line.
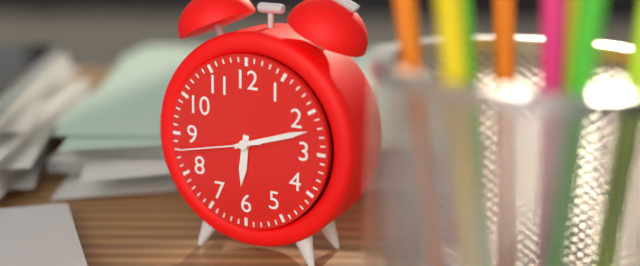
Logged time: 6 h 12 min 43 s
